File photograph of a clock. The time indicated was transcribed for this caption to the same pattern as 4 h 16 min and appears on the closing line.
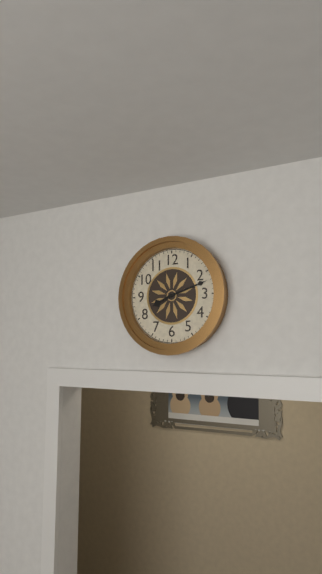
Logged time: 8 h 12 min
